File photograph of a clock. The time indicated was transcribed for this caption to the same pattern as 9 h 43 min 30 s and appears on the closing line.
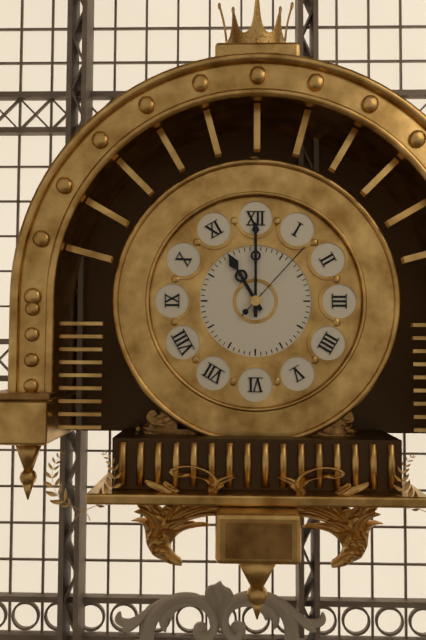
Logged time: 11 h 00 min 07 s
